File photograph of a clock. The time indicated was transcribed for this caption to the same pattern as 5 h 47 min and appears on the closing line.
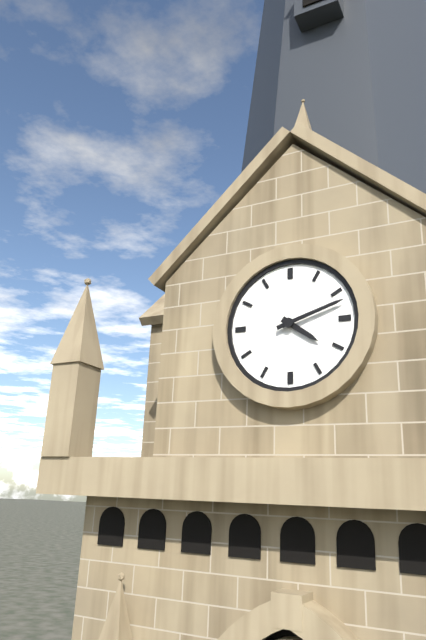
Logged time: 4 h 12 min
